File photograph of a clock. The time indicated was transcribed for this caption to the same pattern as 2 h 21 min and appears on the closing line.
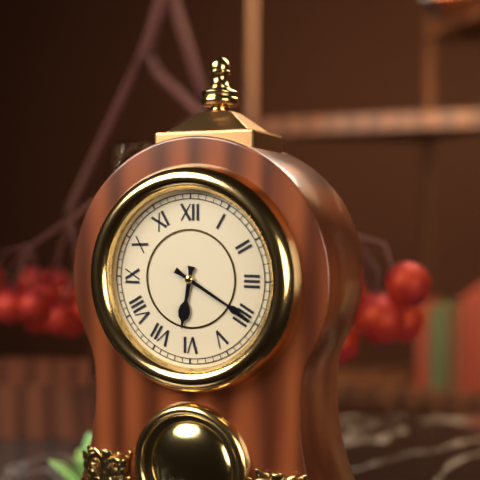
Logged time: 6 h 20 min
